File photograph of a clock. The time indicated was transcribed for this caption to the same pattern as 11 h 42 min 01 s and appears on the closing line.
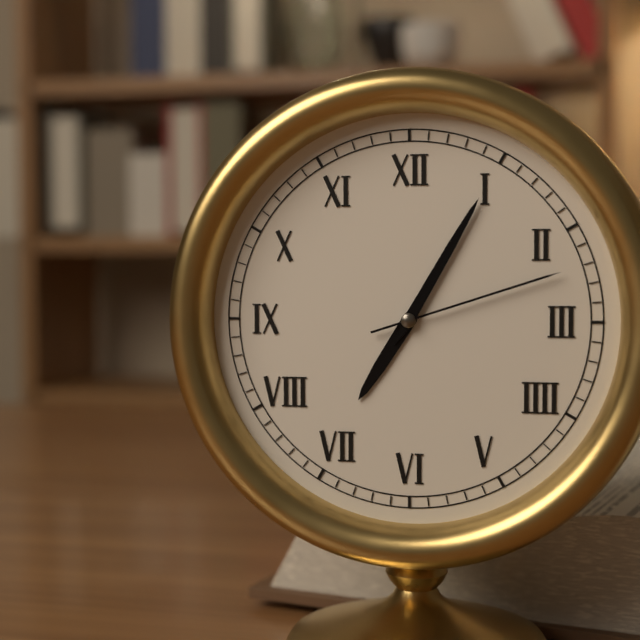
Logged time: 7 h 05 min 12 s
